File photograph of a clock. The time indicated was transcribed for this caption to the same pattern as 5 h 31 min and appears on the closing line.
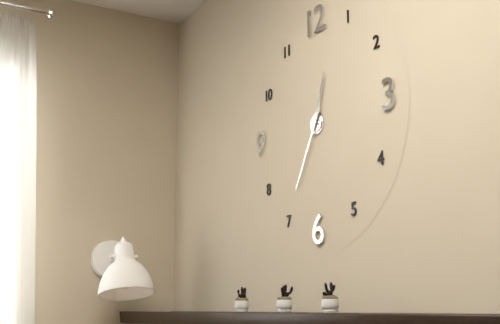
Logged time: 12 h 35 min
